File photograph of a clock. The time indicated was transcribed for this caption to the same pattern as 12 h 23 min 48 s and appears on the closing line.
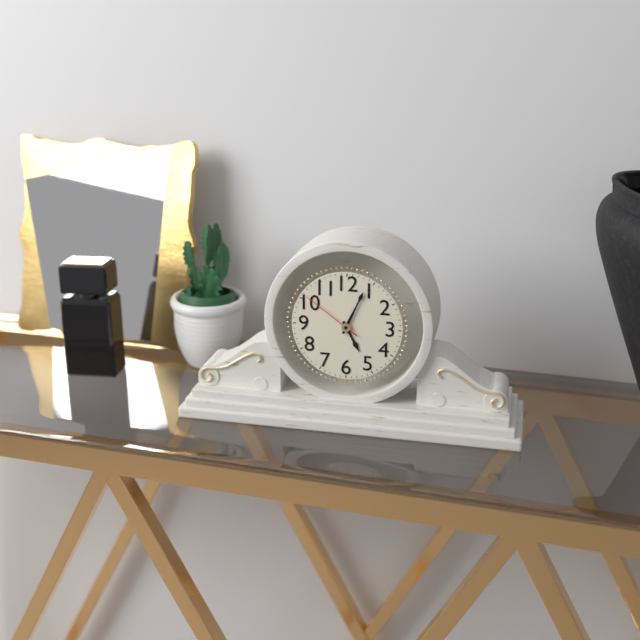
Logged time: 5 h 04 min 51 s
